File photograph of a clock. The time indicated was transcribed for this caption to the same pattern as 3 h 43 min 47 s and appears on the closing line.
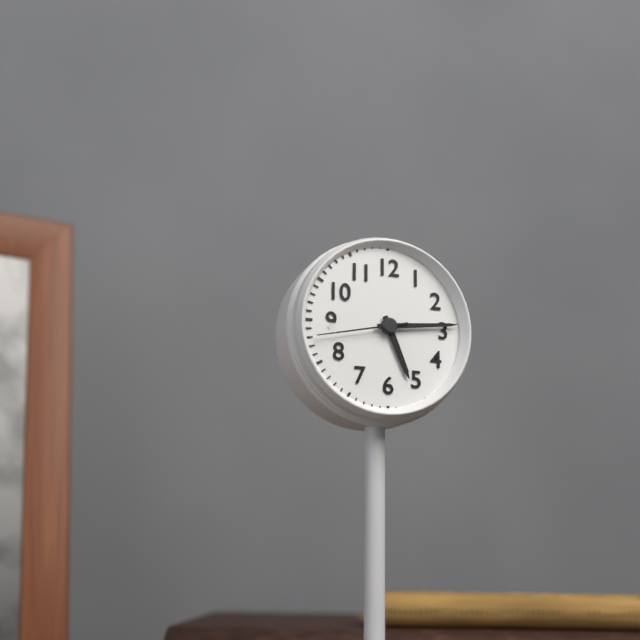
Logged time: 5 h 14 min 43 s
